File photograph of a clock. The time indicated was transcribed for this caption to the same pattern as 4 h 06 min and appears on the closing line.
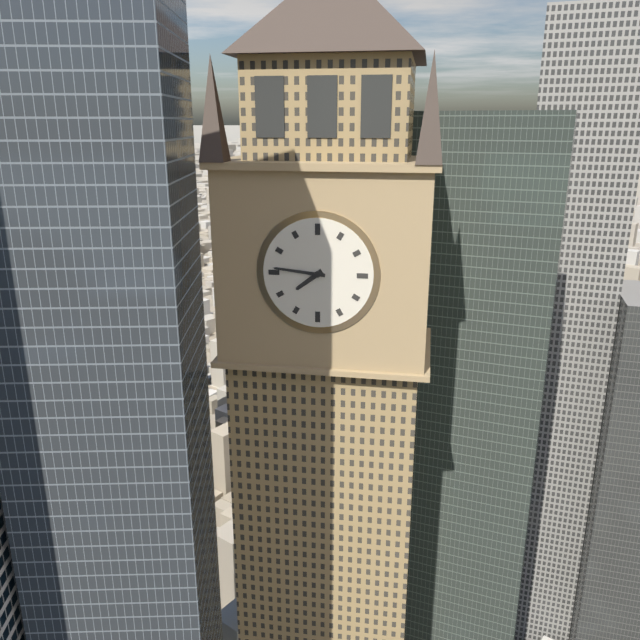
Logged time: 7 h 46 min
